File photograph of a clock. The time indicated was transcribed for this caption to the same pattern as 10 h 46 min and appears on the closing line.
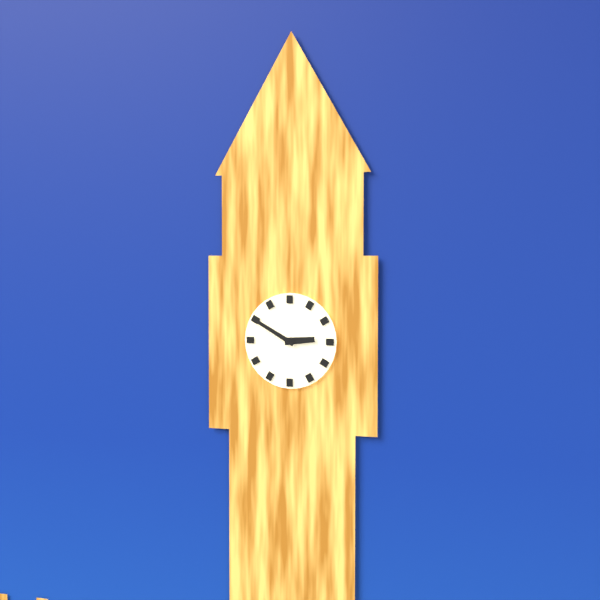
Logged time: 2 h 50 min
